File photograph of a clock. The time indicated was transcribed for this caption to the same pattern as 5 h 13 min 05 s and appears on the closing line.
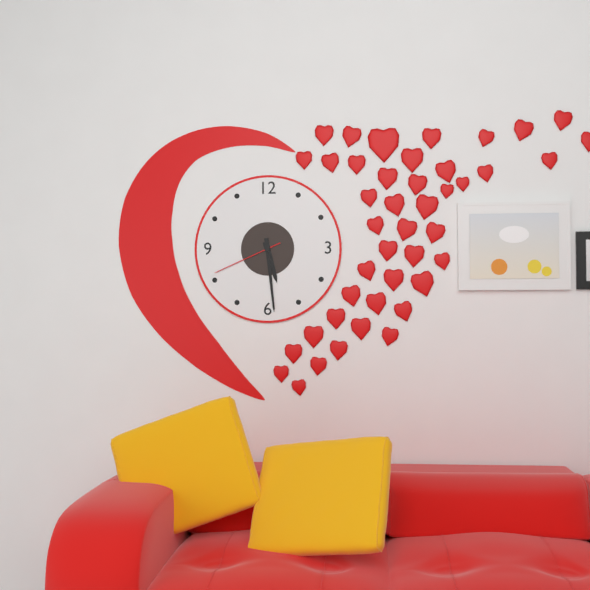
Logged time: 5 h 29 min 41 s
